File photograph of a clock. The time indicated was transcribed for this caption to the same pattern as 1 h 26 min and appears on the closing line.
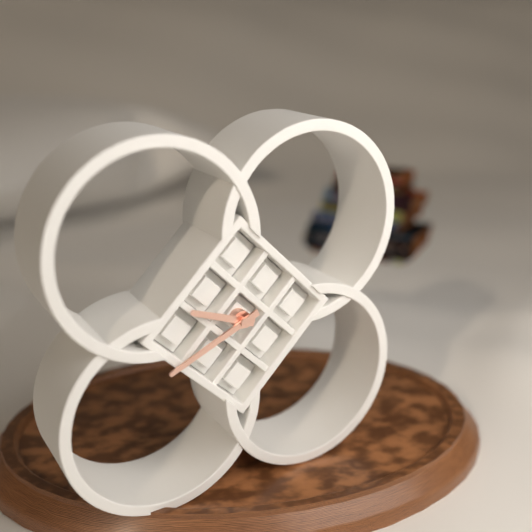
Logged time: 9 h 41 min
